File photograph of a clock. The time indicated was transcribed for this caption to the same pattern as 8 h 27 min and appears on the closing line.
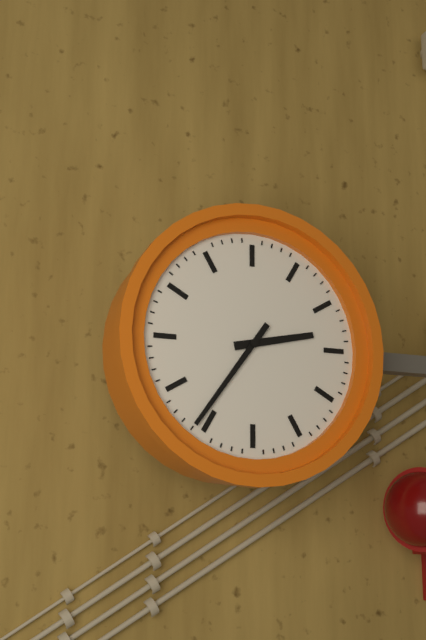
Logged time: 2 h 36 min
